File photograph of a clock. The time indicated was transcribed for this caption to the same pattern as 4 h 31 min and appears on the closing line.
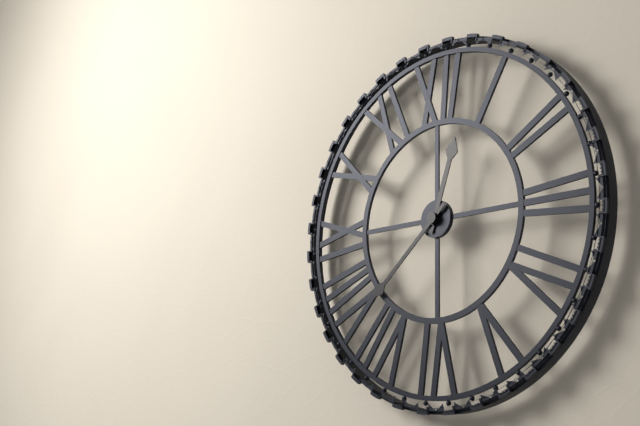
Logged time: 12 h 38 min
